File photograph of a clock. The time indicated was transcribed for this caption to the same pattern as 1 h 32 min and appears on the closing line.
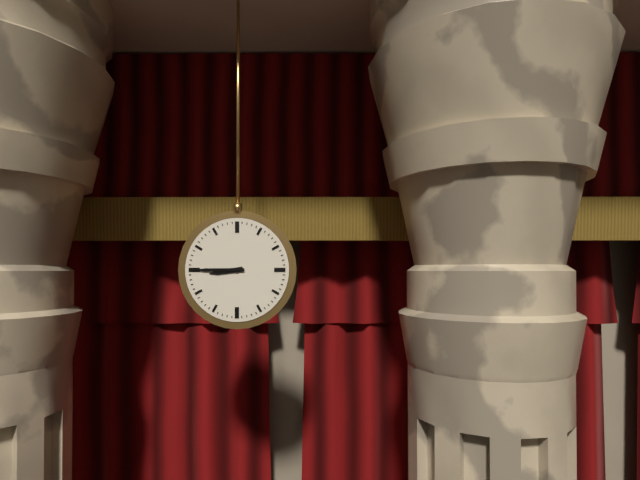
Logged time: 8 h 45 min
